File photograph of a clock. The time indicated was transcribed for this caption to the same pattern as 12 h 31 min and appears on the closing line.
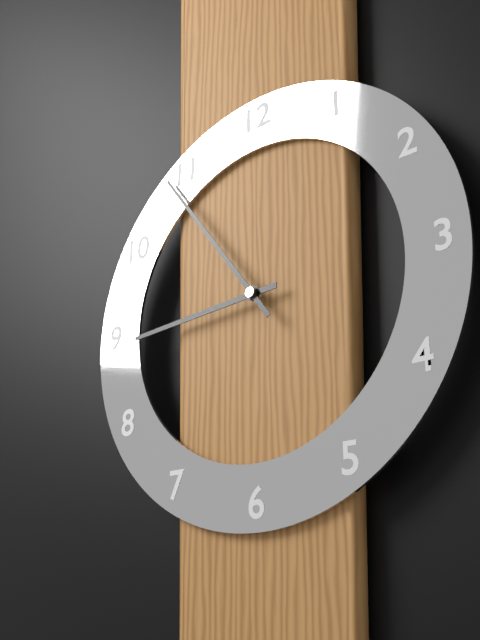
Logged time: 8 h 54 min
